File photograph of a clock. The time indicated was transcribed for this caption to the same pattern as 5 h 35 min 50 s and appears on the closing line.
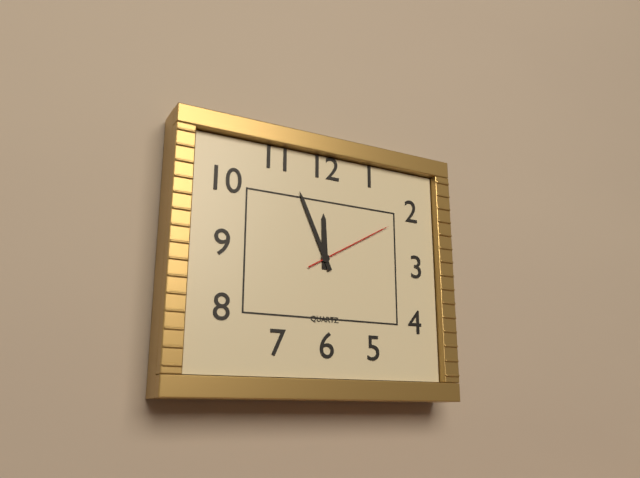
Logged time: 11 h 56 min 10 s
